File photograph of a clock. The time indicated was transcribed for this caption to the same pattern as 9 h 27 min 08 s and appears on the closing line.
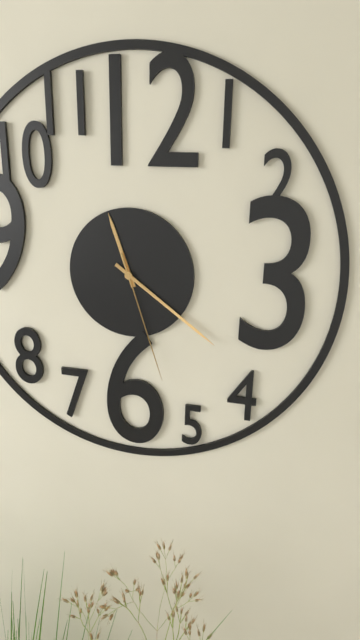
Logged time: 11 h 21 min 27 s
